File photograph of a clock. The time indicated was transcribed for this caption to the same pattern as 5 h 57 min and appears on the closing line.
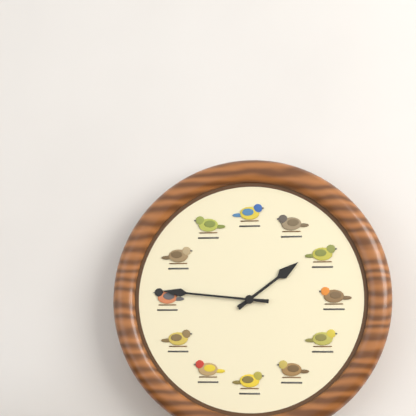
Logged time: 1 h 46 min
